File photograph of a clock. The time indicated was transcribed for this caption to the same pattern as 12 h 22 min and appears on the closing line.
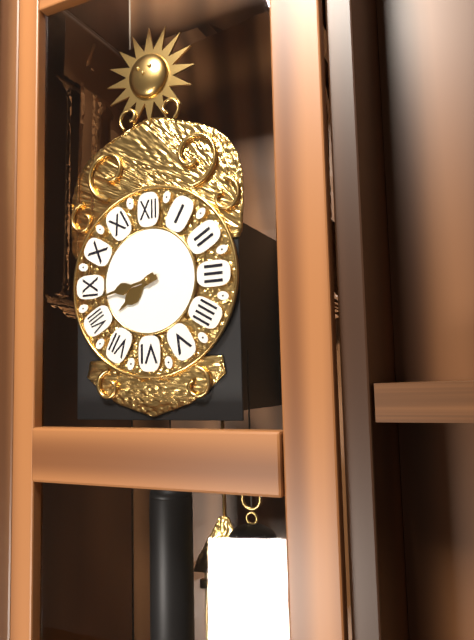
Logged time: 7 h 43 min
